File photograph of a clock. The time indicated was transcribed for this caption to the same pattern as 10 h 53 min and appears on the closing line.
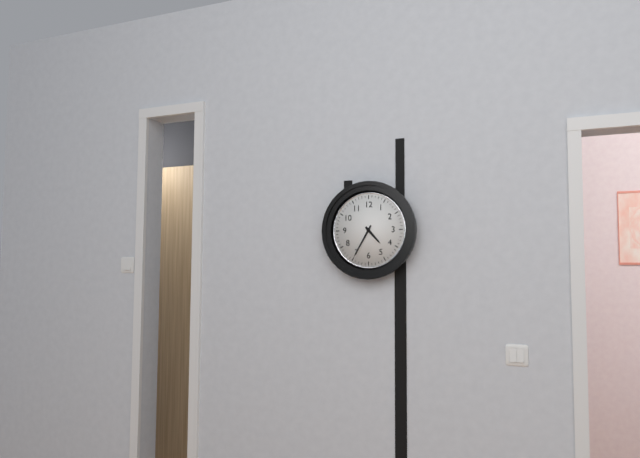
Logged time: 4 h 35 min
